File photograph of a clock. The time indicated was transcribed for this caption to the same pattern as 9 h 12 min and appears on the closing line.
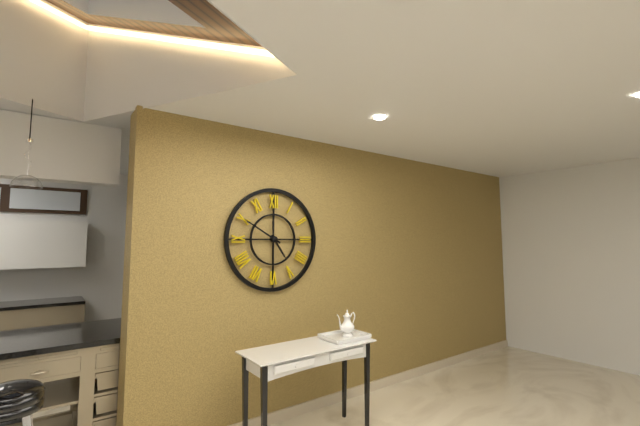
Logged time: 4 h 50 min
